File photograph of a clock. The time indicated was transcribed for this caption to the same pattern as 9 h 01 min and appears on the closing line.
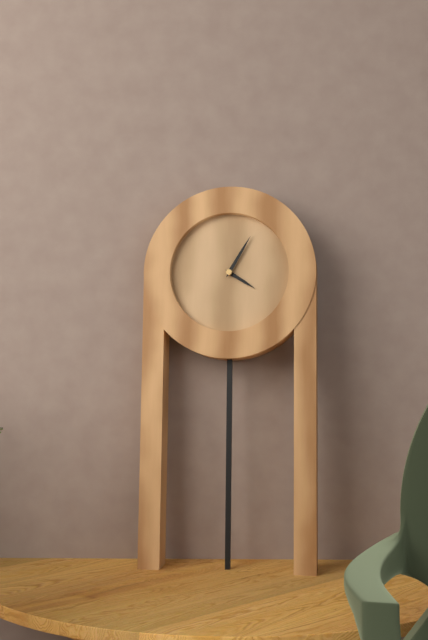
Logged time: 4 h 05 min
